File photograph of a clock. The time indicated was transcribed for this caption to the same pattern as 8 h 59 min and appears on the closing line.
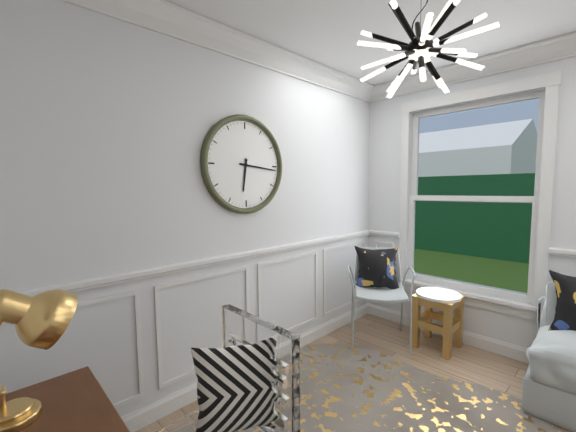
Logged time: 6 h 16 min
